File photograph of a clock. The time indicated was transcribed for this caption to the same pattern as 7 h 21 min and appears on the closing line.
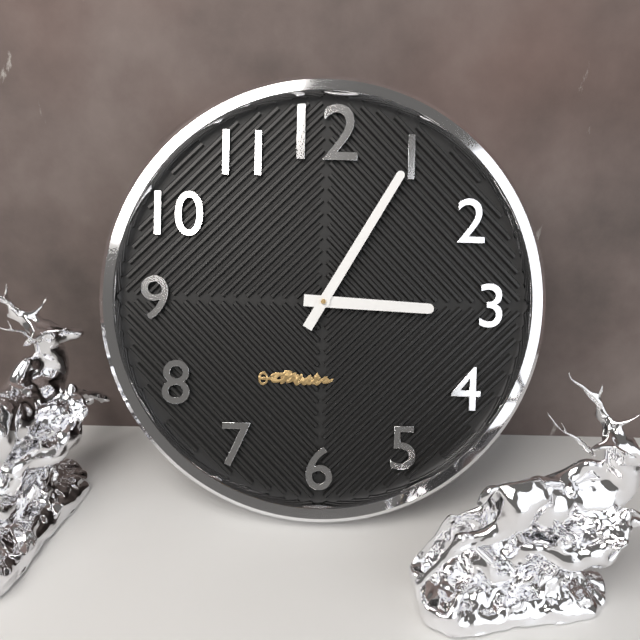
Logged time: 3 h 05 min
